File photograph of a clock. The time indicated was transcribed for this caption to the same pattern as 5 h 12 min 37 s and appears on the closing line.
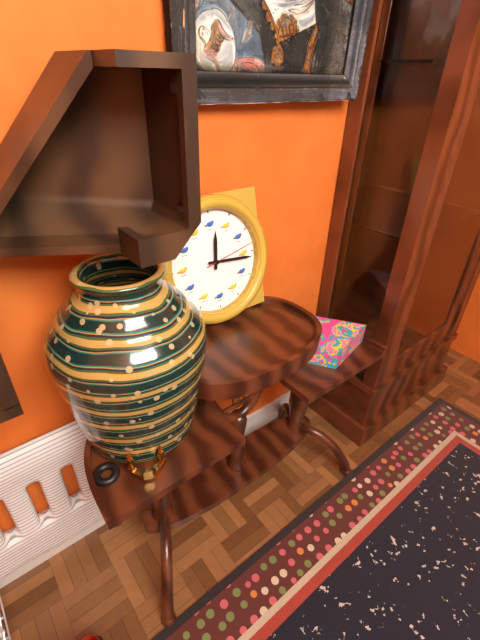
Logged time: 12 h 16 min 13 s
